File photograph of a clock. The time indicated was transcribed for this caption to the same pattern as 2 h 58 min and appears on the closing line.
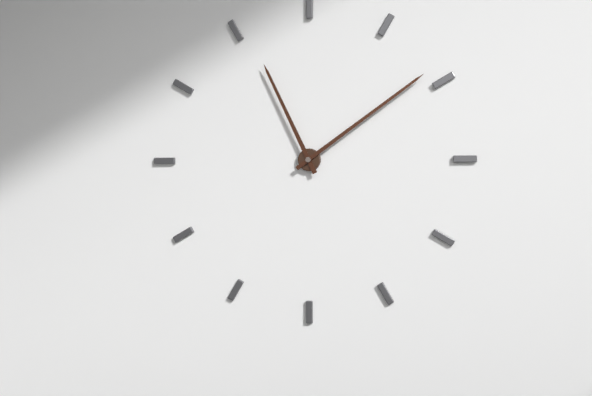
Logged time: 11 h 09 min
